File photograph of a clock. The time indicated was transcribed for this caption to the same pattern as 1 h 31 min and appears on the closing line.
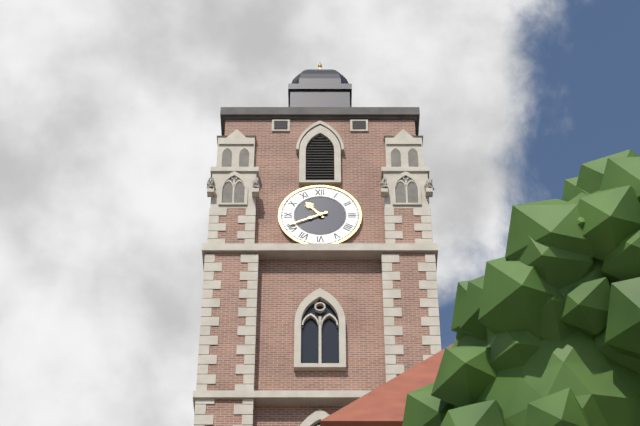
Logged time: 10 h 41 min
